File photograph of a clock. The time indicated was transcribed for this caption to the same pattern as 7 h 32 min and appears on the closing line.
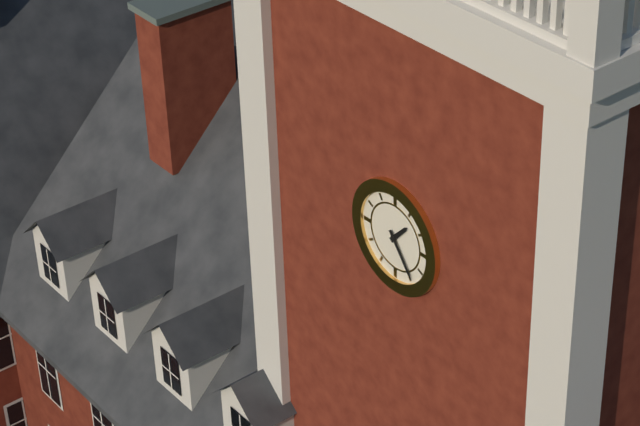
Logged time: 1 h 24 min
